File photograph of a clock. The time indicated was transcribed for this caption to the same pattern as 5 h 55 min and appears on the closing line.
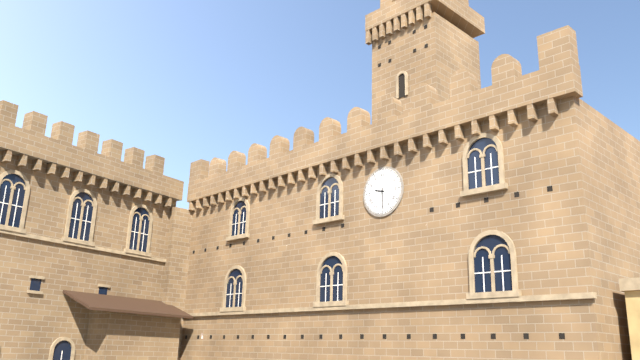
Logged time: 9 h 30 min
